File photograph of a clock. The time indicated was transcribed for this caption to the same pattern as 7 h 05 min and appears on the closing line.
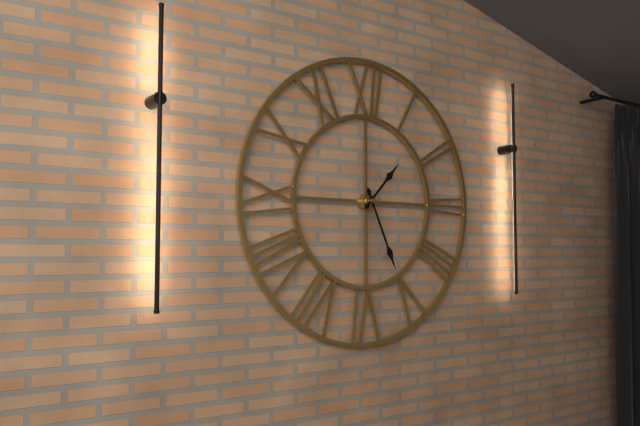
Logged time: 1 h 26 min
